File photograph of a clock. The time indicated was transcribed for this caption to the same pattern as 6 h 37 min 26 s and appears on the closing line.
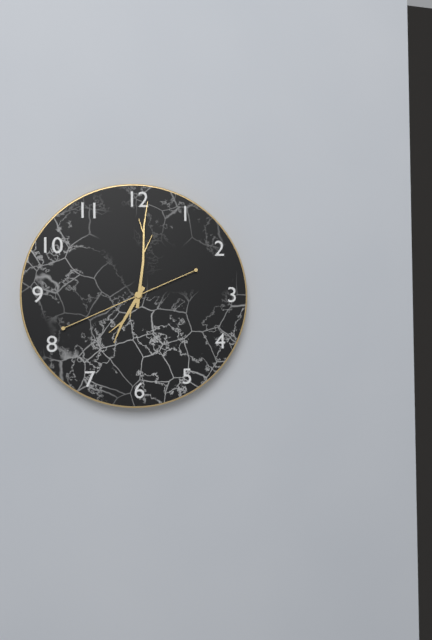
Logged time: 7 h 01 min 41 s
